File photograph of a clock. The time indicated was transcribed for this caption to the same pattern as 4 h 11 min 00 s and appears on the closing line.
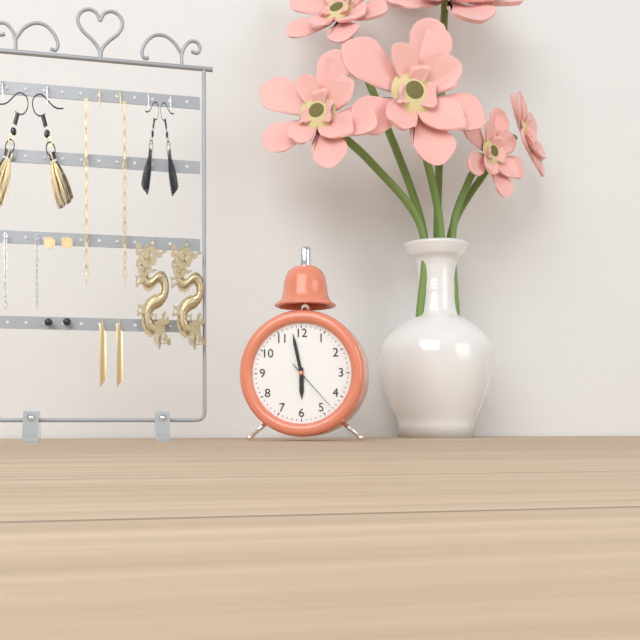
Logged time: 5 h 58 min 23 s
